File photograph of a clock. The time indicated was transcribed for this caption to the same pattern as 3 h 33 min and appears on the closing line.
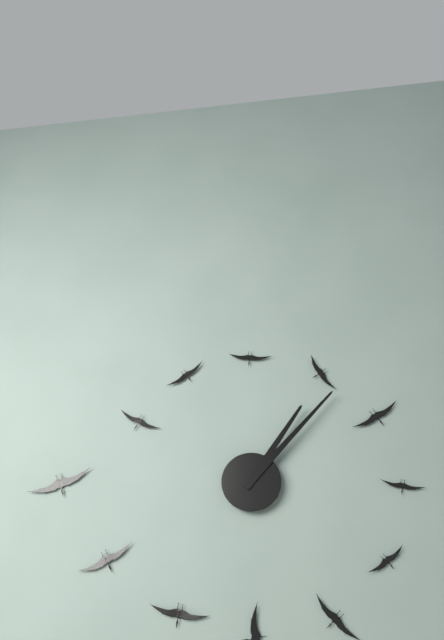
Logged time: 1 h 07 min
